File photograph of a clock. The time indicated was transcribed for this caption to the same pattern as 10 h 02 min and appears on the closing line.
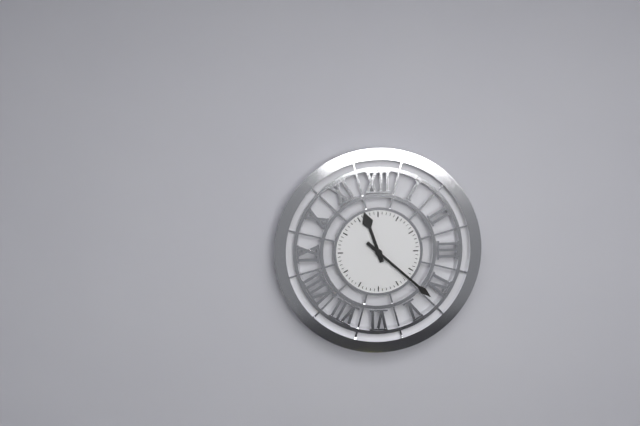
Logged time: 11 h 22 min
